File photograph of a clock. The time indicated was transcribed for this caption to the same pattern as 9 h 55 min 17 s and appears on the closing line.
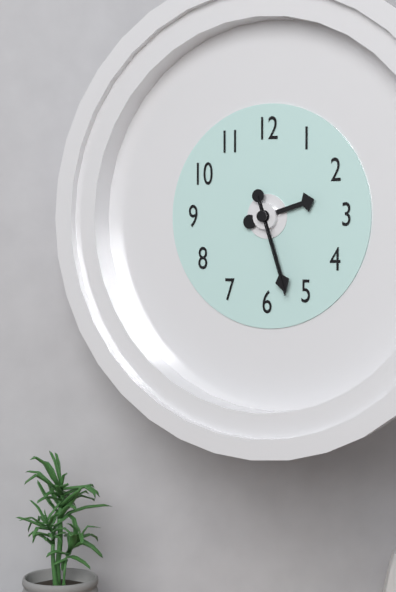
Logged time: 2 h 27 min 27 s
